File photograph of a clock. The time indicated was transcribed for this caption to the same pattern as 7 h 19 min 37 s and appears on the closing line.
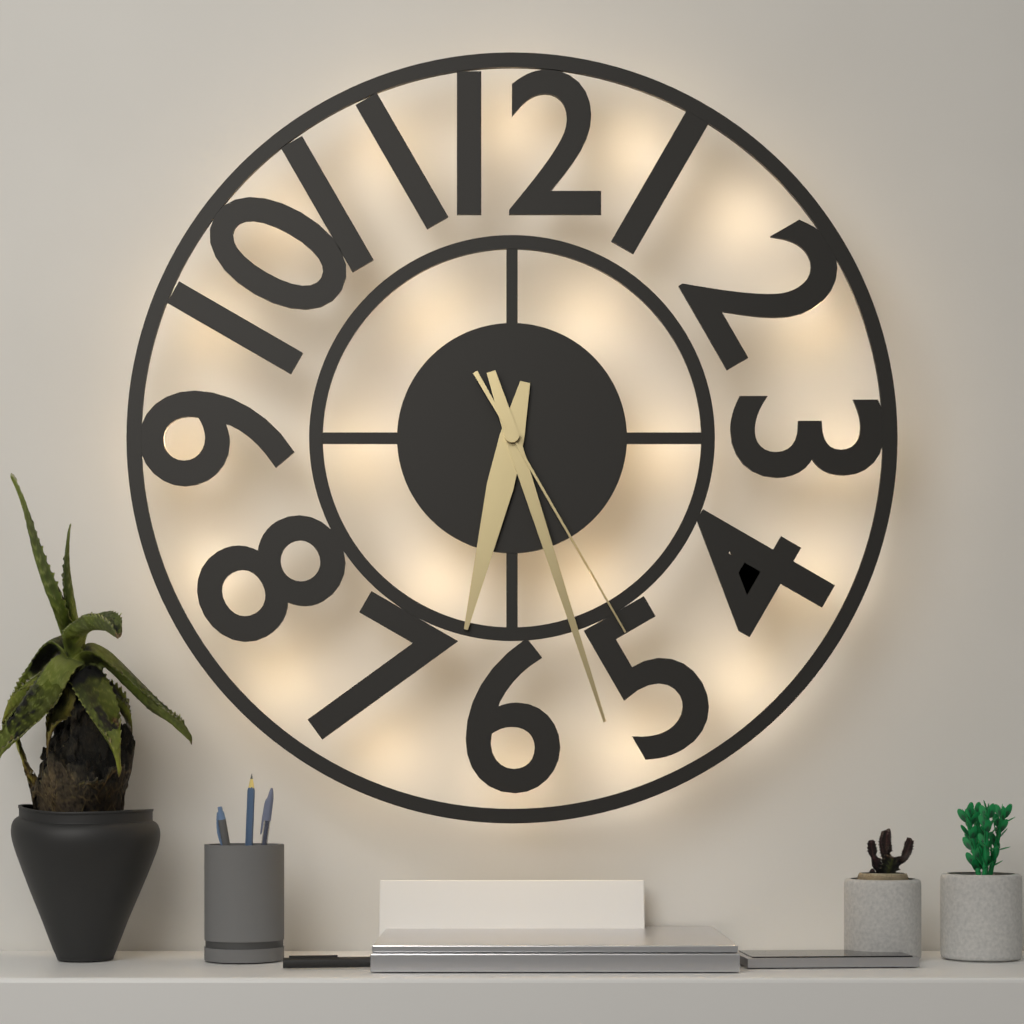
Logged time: 6 h 27 min 25 s
